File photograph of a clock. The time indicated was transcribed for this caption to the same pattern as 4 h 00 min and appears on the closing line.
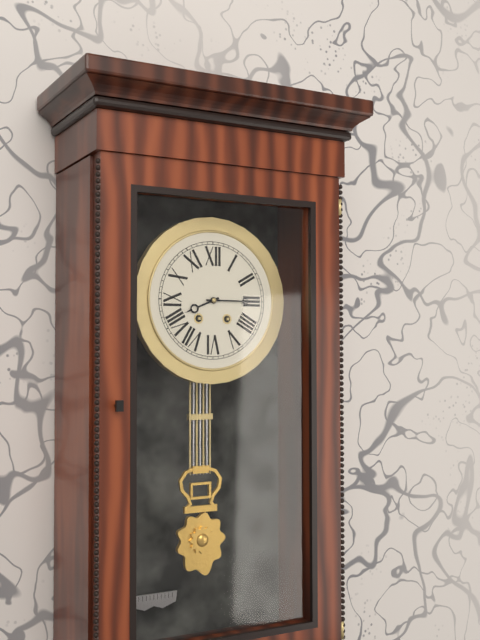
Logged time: 8 h 15 min
